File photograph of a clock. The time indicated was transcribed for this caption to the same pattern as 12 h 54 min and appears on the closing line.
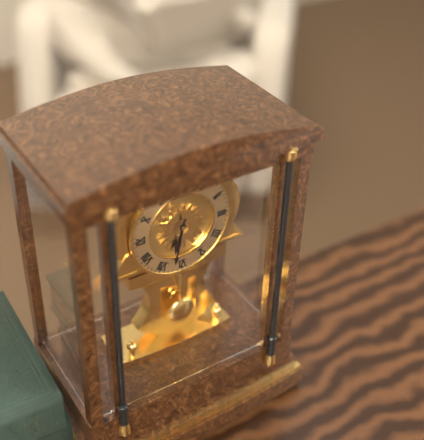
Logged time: 6 h 32 min
